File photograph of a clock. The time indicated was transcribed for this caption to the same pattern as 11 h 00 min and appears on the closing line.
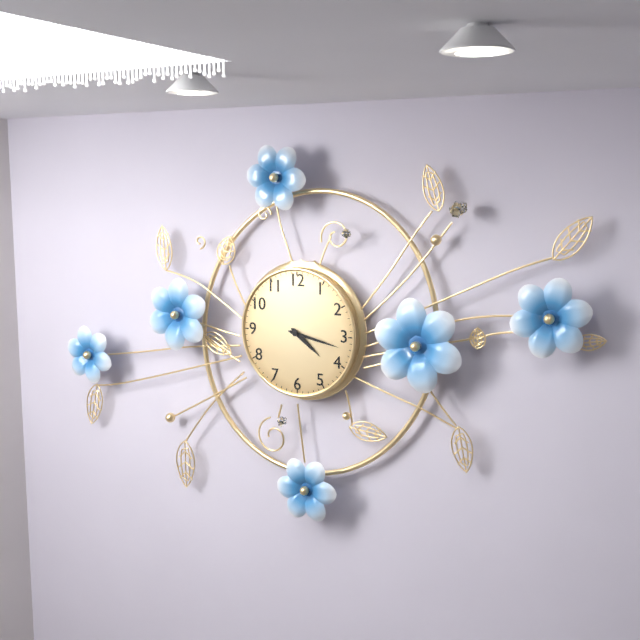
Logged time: 4 h 17 min
